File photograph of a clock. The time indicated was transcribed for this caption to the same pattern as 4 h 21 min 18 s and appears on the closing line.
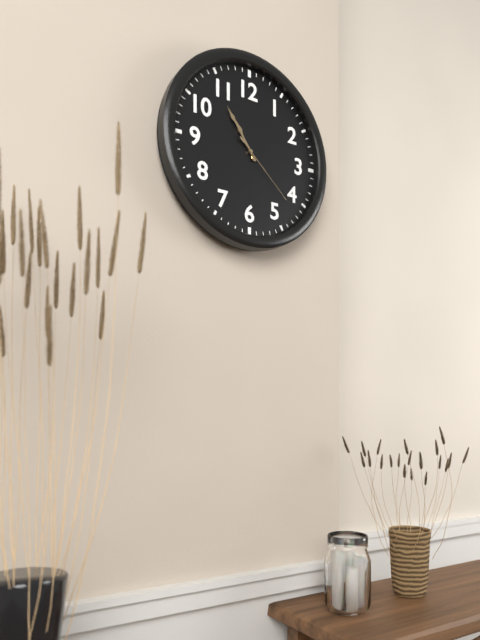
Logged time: 10 h 54 min 22 s
